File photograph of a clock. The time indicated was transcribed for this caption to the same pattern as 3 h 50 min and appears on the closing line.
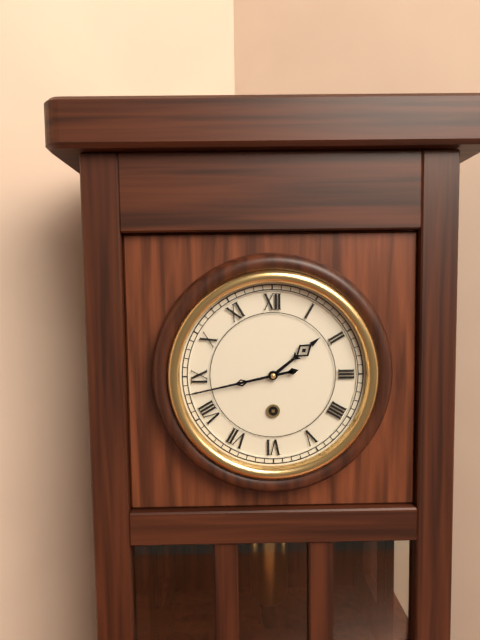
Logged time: 1 h 43 min
